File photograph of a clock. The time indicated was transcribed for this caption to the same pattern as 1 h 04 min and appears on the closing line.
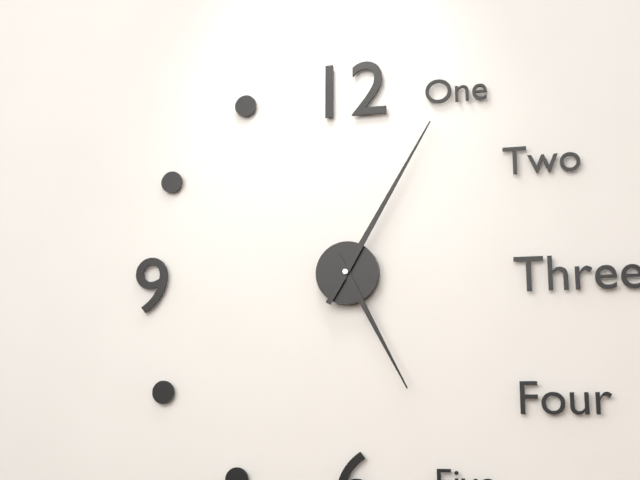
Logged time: 5 h 05 min
